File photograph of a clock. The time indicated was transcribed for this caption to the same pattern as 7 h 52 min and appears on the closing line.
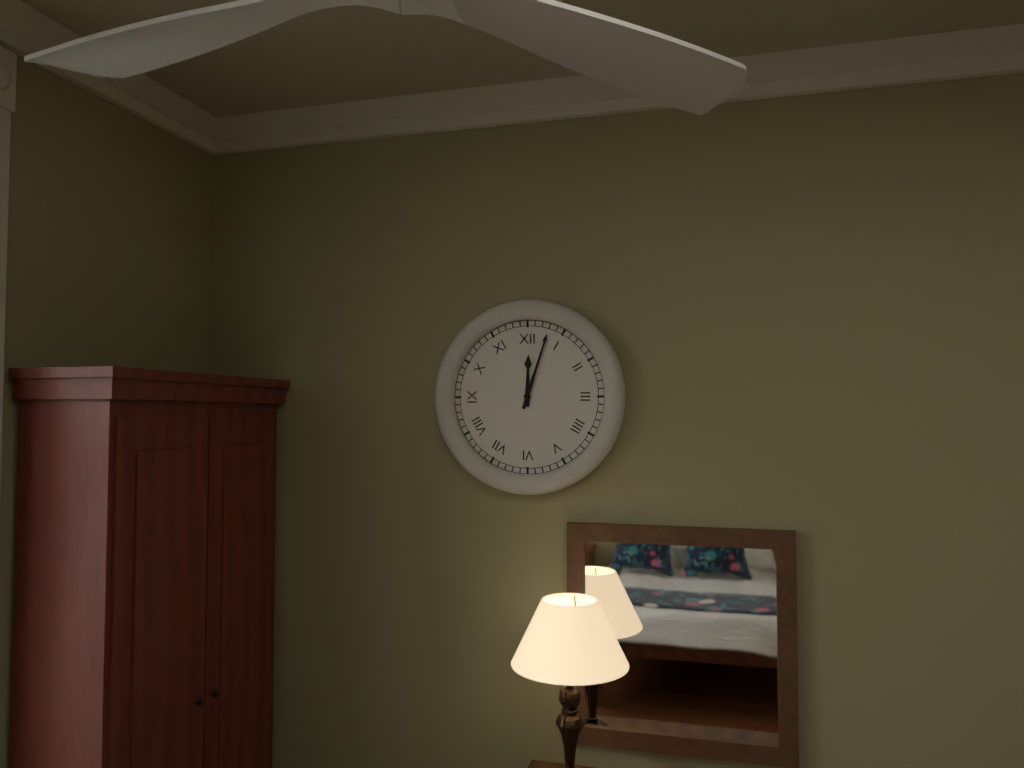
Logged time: 12 h 03 min
